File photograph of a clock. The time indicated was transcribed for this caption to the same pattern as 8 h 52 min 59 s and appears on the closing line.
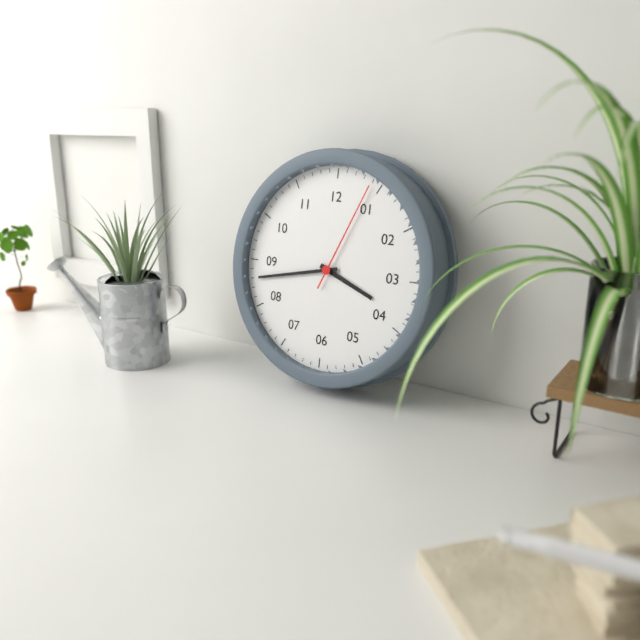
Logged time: 3 h 43 min 04 s
